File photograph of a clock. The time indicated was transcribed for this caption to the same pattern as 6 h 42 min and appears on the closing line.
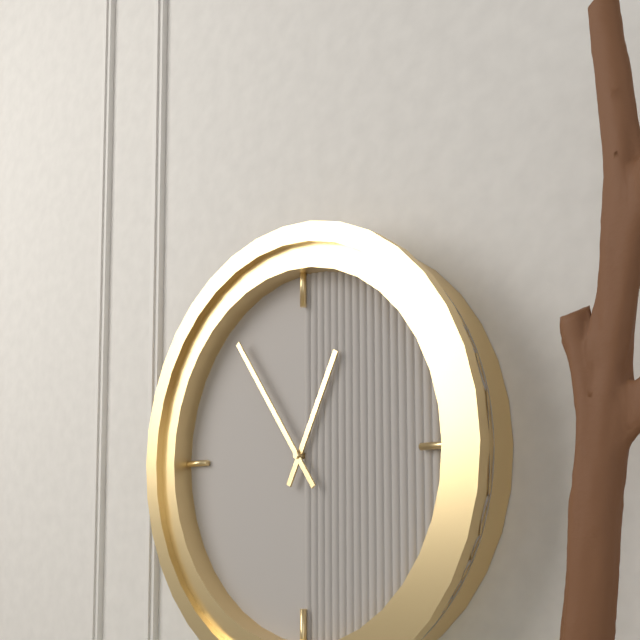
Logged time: 12 h 54 min
